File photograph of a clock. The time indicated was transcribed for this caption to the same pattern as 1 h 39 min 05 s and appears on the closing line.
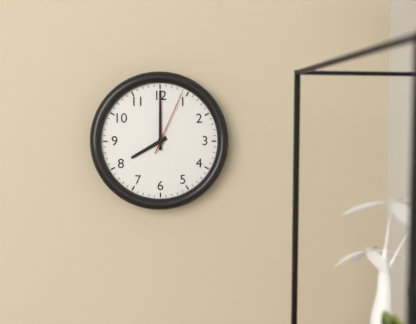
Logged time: 8 h 00 min 04 s
